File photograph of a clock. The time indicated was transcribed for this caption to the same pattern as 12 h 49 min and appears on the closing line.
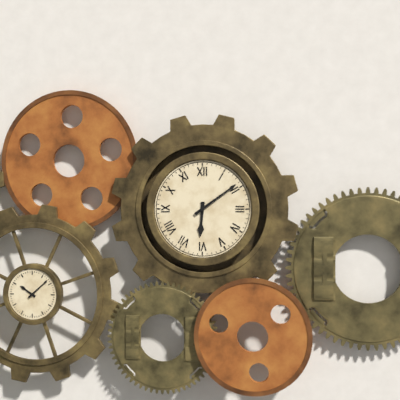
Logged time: 6 h 09 min
